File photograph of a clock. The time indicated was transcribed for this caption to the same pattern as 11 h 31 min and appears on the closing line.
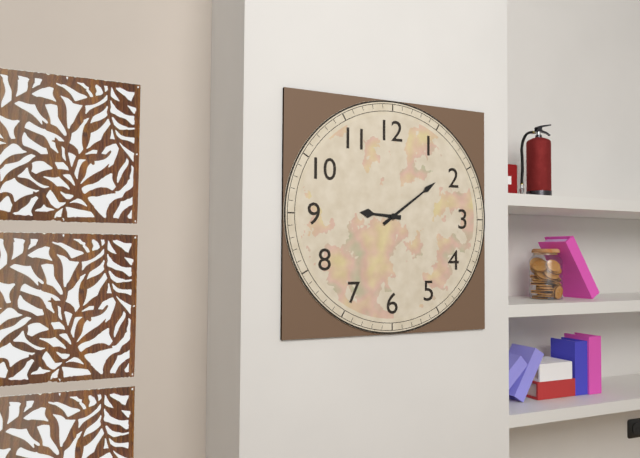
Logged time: 9 h 09 min
